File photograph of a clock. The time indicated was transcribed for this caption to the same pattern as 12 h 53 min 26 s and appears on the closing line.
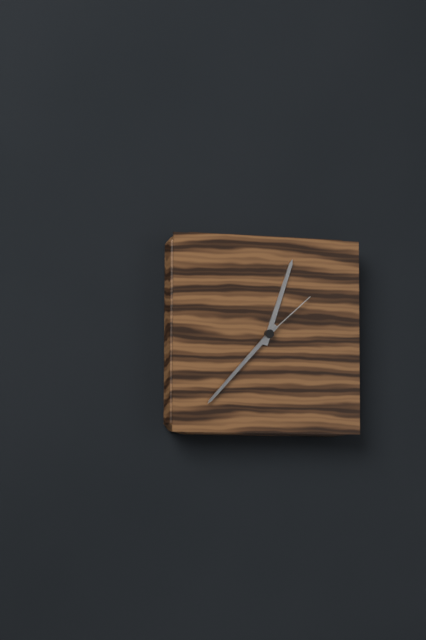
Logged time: 12 h 37 min 08 s
